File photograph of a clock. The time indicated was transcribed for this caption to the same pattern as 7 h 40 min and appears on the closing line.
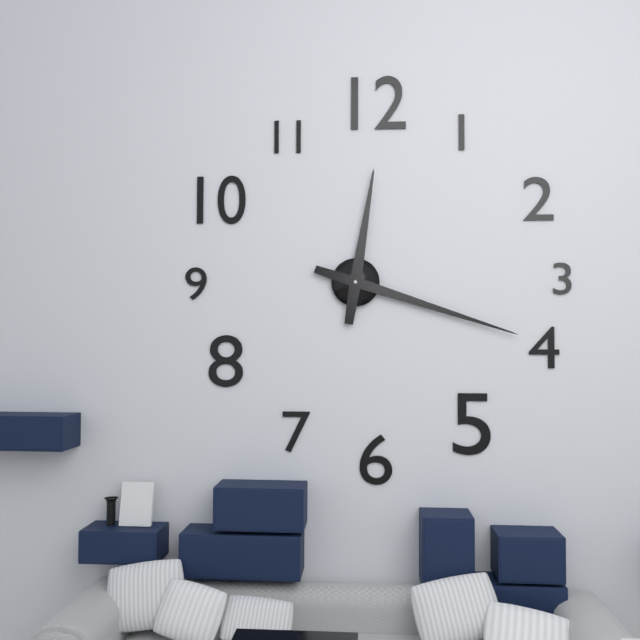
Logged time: 12 h 18 min
